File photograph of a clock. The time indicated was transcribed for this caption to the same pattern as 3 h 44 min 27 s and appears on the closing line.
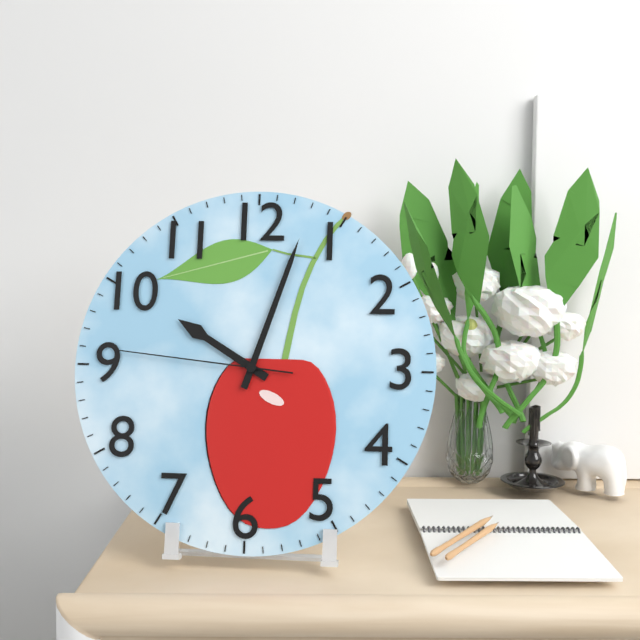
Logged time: 10 h 03 min 46 s
